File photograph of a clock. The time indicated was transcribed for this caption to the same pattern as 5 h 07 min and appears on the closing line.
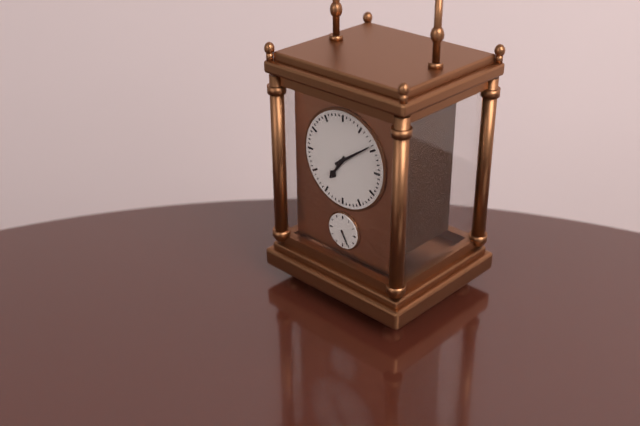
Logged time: 7 h 09 min
